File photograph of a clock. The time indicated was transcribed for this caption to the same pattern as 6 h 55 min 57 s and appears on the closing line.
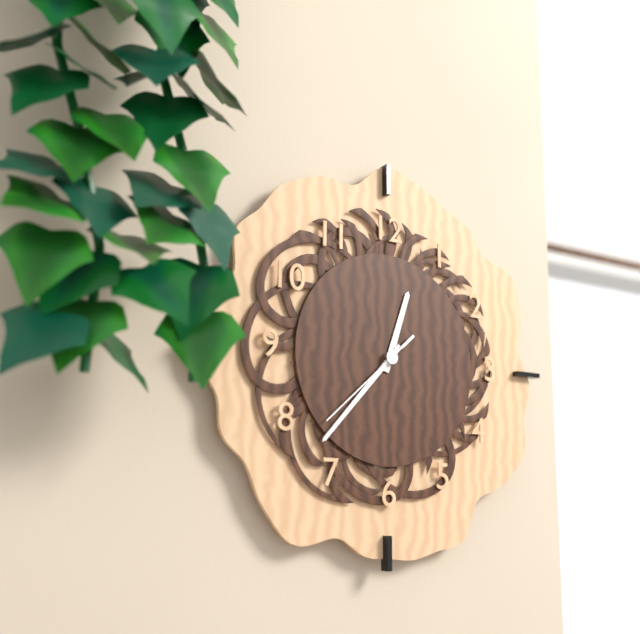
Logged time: 12 h 37 min 38 s
